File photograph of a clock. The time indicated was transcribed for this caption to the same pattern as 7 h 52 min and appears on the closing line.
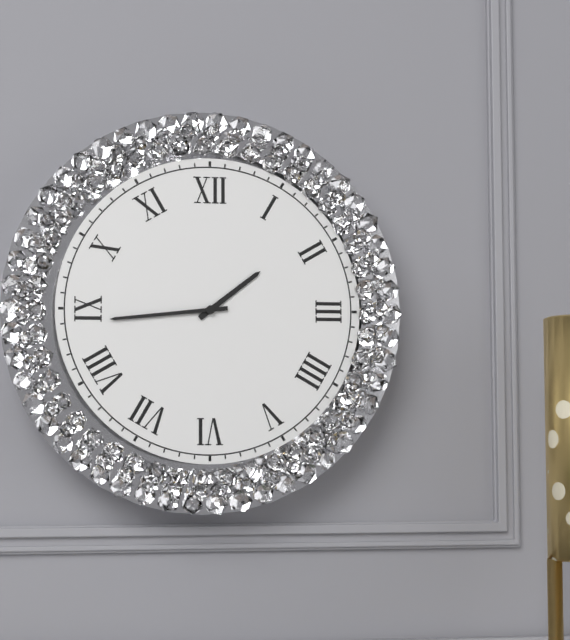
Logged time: 1 h 44 min
